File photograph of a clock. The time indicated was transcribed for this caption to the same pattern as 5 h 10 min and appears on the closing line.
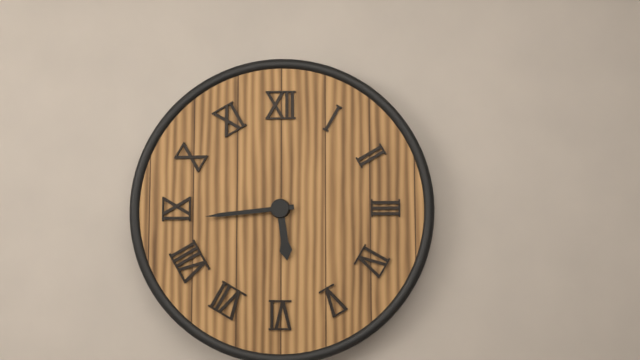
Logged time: 5 h 44 min
